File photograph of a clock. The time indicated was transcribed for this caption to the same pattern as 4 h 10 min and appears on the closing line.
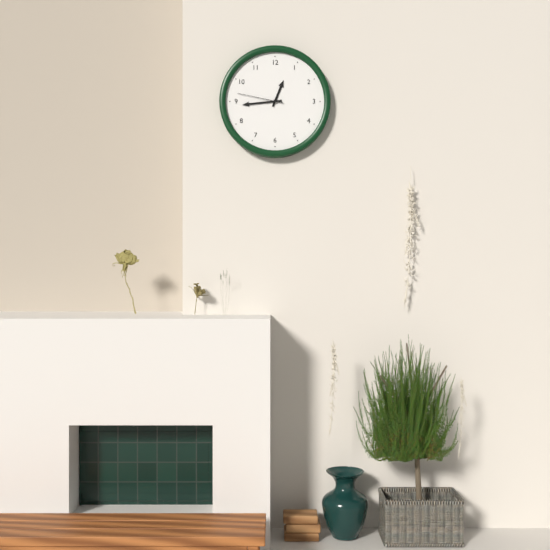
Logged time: 12 h 44 min
